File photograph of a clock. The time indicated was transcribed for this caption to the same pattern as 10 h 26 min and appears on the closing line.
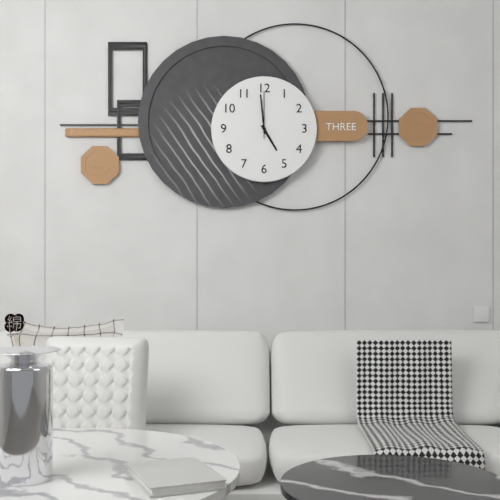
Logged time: 4 h 59 min
